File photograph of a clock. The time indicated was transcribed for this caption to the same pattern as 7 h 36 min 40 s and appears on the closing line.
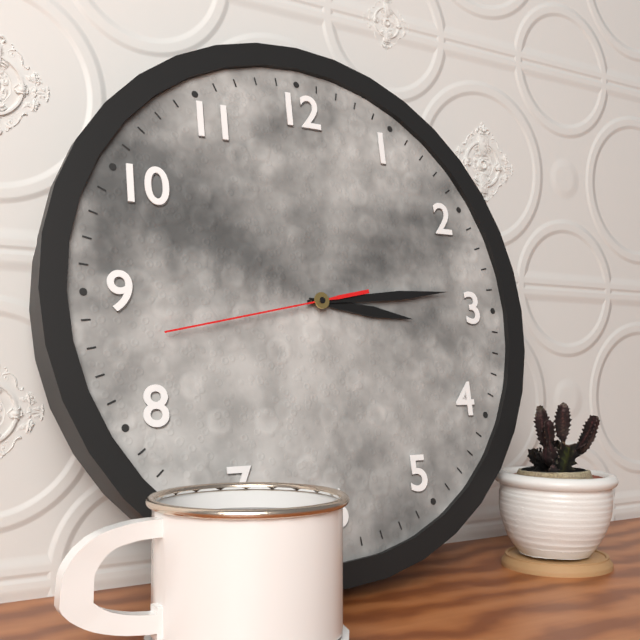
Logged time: 3 h 14 min 43 s
